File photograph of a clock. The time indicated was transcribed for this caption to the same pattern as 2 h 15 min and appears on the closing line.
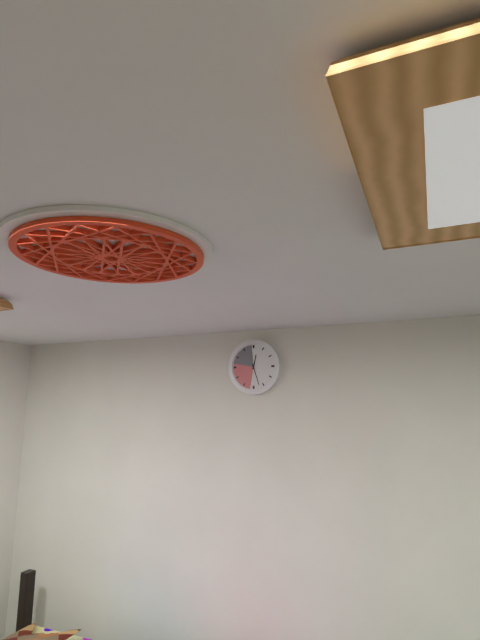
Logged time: 12 h 27 min
